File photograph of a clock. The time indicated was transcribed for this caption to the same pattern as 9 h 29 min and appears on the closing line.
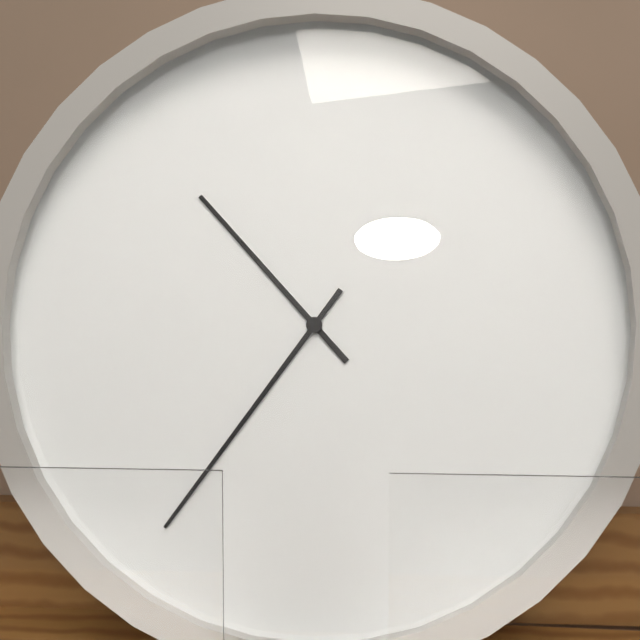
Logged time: 10 h 36 min
